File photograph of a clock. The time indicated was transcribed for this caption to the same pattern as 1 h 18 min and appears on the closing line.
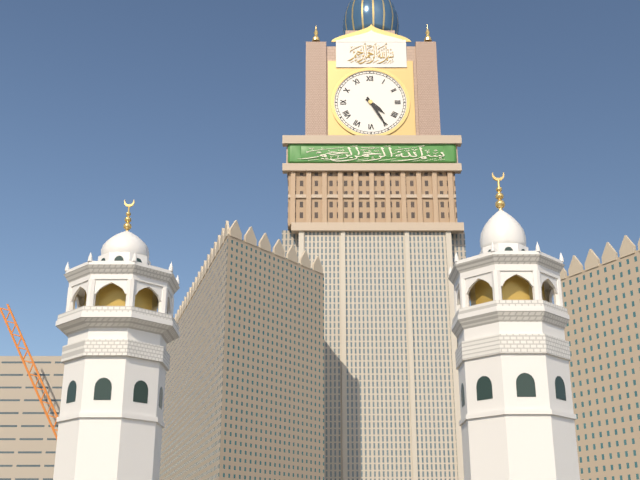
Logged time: 4 h 25 min
